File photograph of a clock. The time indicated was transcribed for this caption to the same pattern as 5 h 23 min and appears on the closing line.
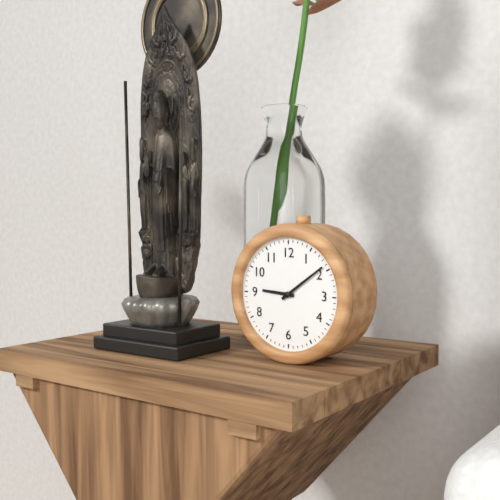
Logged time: 9 h 09 min
